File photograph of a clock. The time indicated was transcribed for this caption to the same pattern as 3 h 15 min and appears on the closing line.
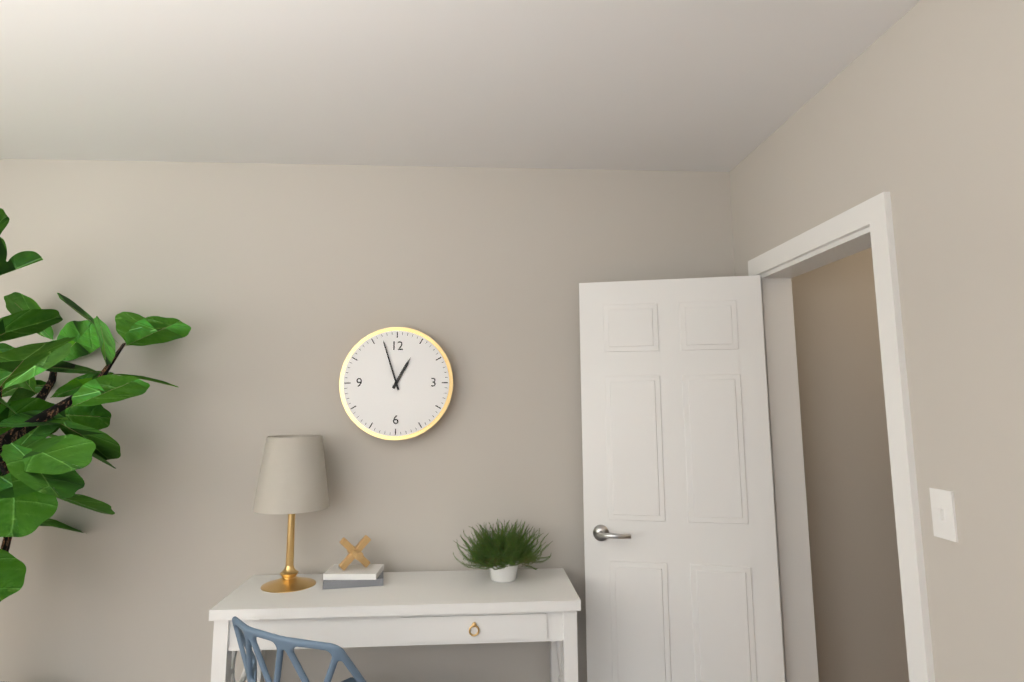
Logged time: 12 h 57 min
